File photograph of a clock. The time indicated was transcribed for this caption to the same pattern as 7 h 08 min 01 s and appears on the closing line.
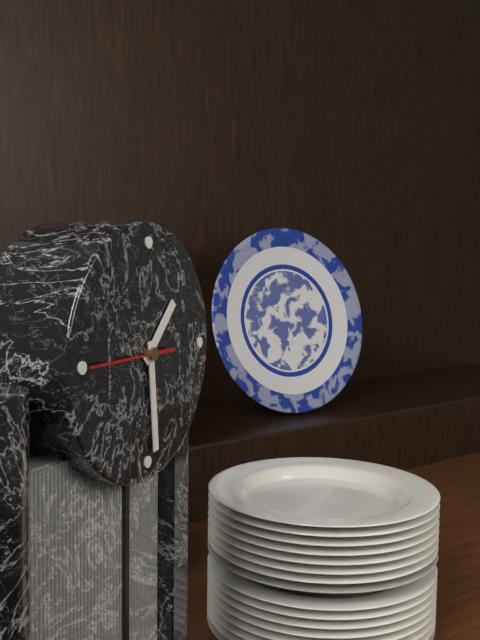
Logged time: 1 h 29 min 45 s
